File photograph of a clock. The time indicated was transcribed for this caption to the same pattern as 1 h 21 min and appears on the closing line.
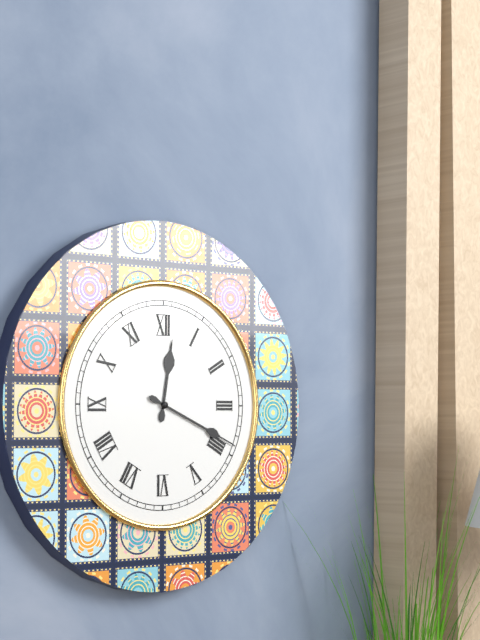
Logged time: 12 h 19 min
